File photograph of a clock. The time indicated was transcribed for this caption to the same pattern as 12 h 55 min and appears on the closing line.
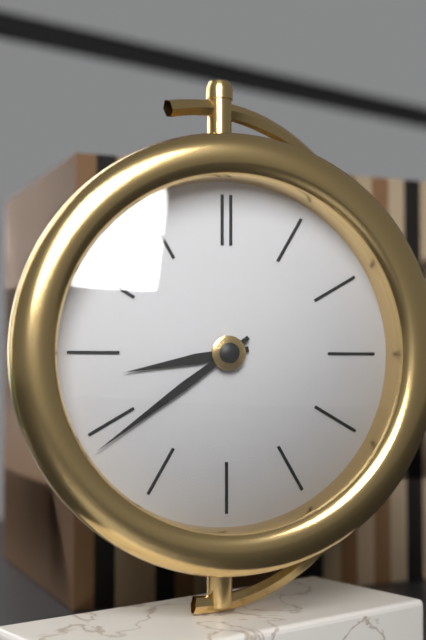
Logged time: 8 h 39 min
